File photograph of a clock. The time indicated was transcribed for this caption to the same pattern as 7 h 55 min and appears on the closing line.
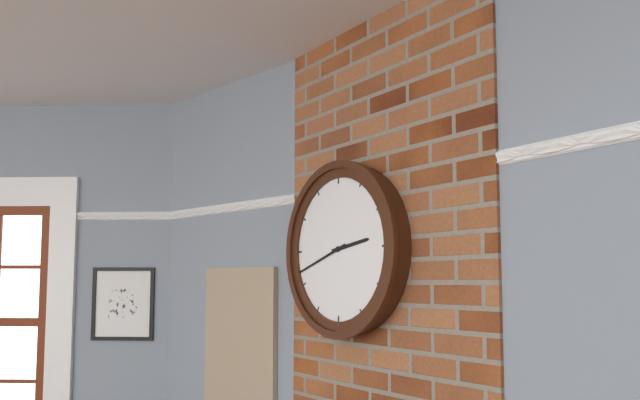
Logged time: 2 h 42 min
